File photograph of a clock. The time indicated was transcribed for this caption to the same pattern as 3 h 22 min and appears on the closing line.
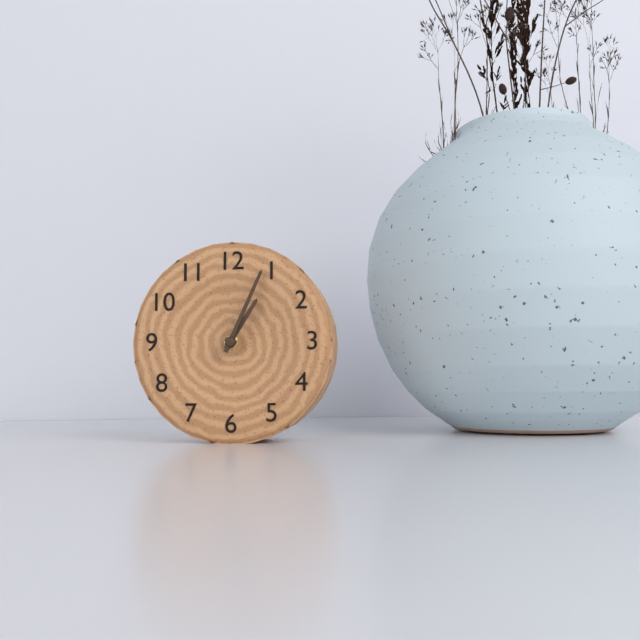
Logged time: 1 h 04 min
